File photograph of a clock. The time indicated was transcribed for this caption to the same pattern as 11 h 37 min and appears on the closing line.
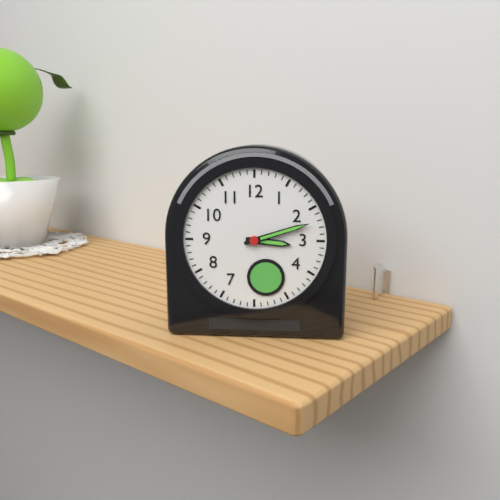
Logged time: 3 h 12 min
